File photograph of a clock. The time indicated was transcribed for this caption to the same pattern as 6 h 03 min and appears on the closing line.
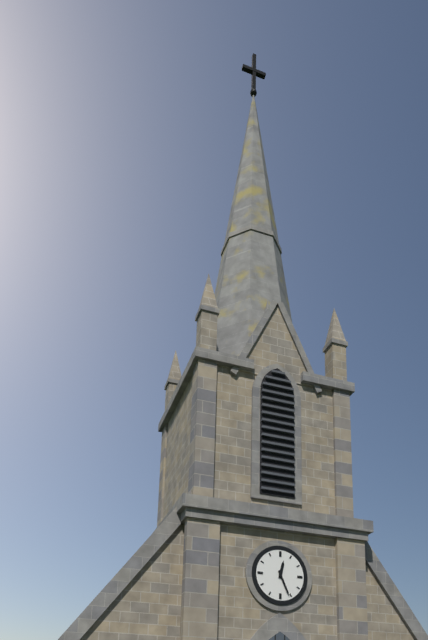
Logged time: 12 h 26 min
